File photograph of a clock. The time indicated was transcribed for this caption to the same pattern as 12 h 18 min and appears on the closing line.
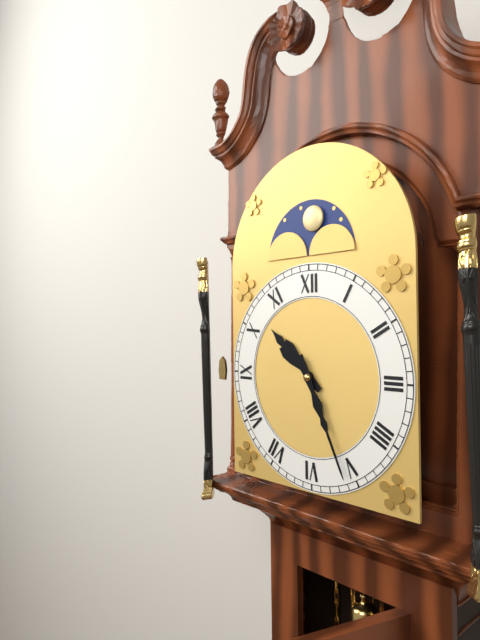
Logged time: 10 h 26 min
